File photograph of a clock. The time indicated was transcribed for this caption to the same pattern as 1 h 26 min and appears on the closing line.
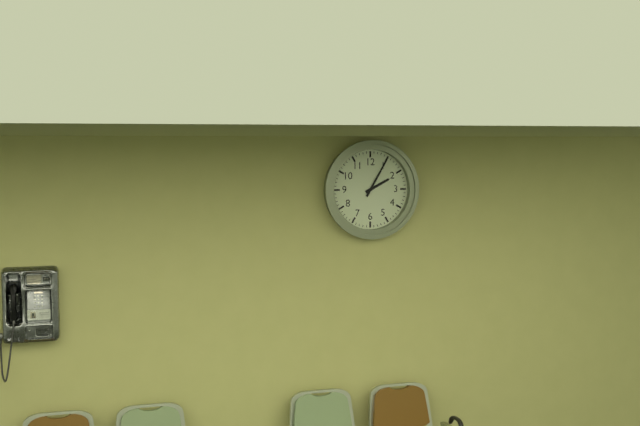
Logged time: 2 h 05 min
